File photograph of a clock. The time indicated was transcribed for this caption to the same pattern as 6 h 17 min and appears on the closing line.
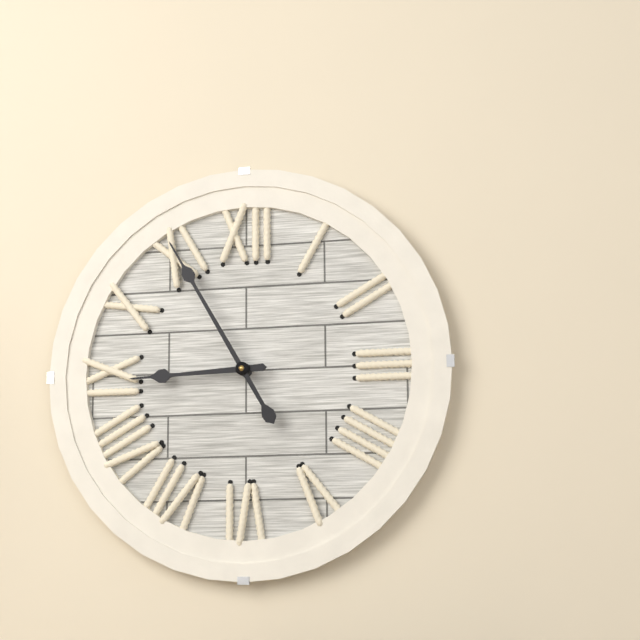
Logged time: 8 h 55 min
